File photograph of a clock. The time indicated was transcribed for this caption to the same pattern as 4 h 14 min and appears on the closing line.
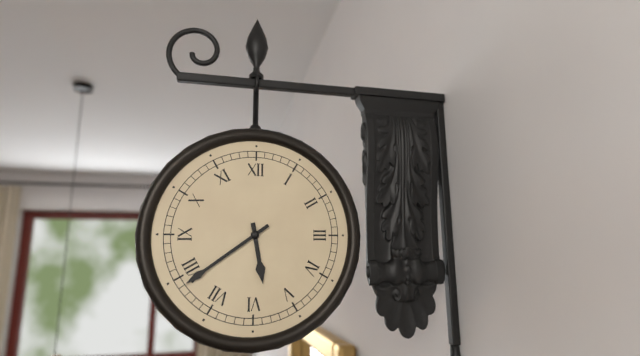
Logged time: 5 h 39 min
